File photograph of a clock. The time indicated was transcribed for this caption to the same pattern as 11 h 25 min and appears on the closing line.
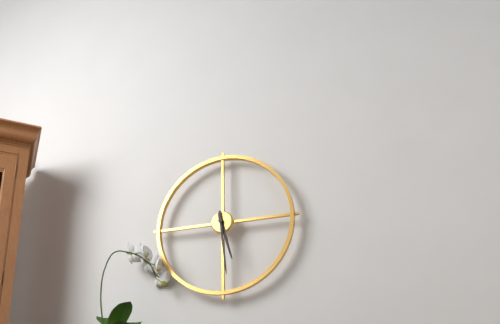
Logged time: 5 h 29 min
